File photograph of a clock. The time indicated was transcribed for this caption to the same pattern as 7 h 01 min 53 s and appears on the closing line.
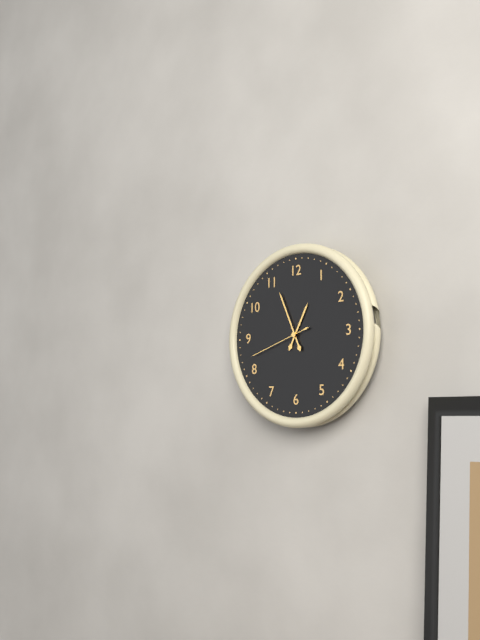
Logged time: 12 h 56 min 42 s
